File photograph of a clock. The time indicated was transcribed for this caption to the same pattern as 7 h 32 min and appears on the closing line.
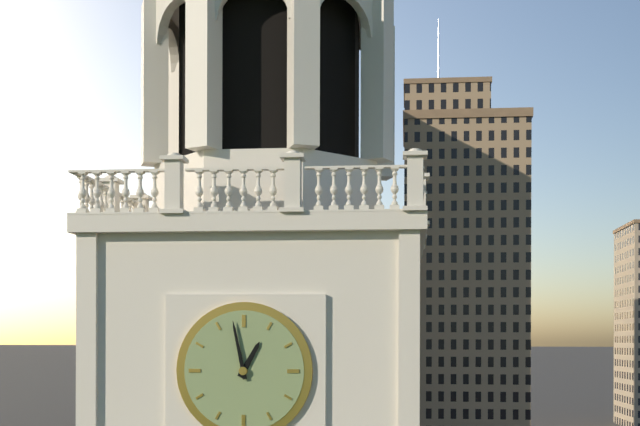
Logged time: 12 h 58 min
